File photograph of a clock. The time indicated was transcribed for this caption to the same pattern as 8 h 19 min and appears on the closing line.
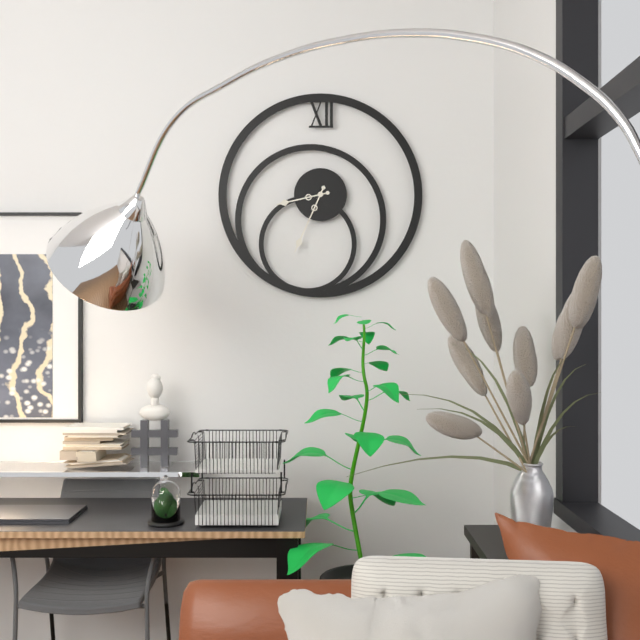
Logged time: 8 h 34 min
